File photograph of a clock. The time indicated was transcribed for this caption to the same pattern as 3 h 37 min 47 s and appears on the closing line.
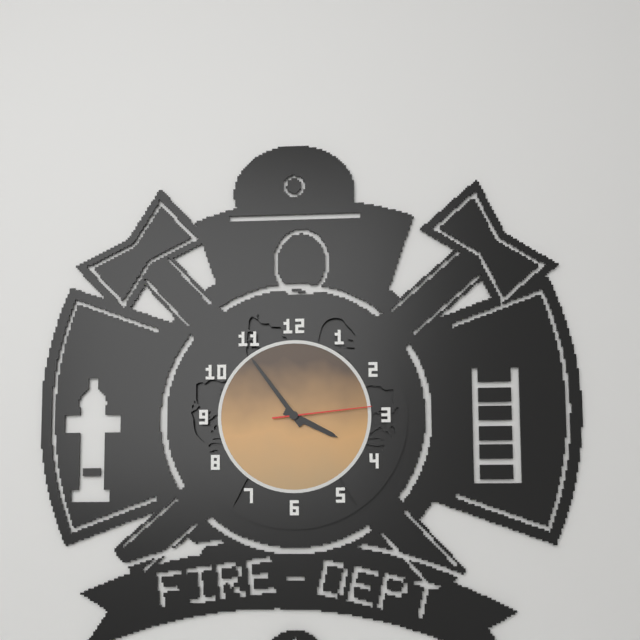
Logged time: 3 h 54 min 14 s
